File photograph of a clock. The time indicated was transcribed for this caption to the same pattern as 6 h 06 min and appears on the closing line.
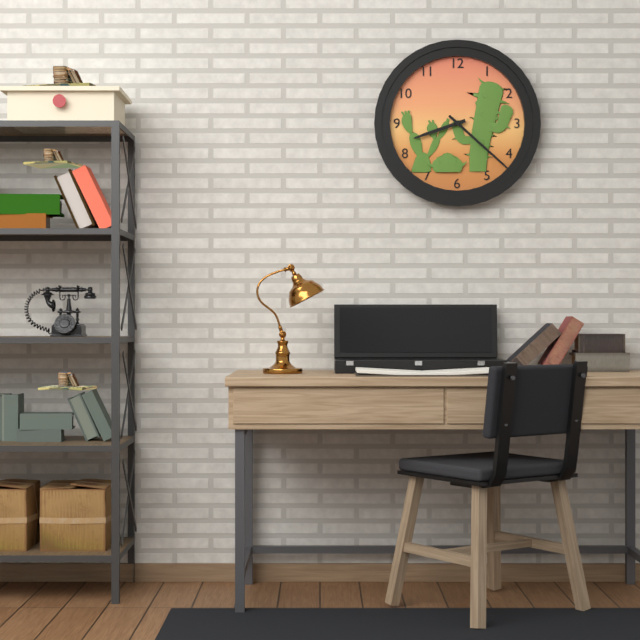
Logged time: 8 h 22 min
